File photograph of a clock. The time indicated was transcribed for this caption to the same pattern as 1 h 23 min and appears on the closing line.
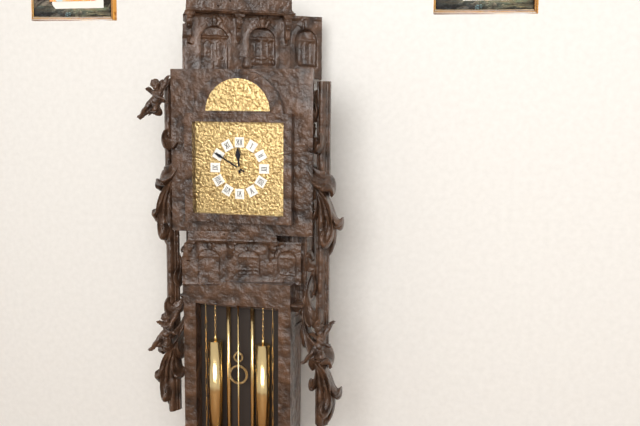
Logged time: 11 h 50 min
